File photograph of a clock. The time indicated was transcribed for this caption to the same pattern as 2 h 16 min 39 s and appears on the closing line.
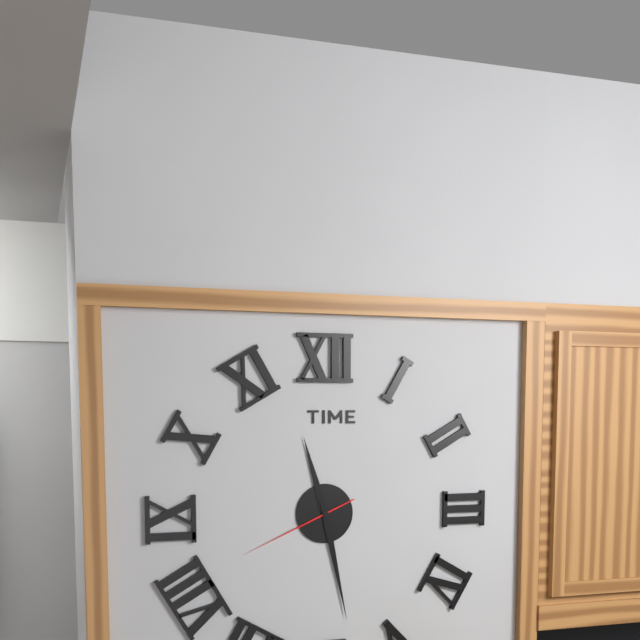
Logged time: 11 h 28 min 41 s
